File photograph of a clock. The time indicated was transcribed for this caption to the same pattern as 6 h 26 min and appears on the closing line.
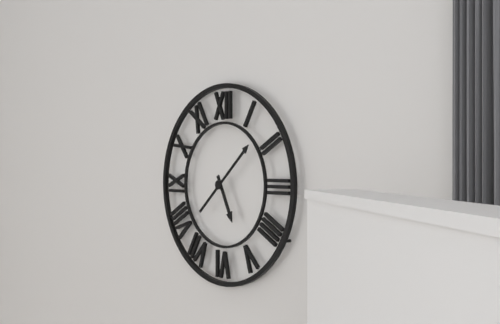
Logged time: 5 h 08 min
